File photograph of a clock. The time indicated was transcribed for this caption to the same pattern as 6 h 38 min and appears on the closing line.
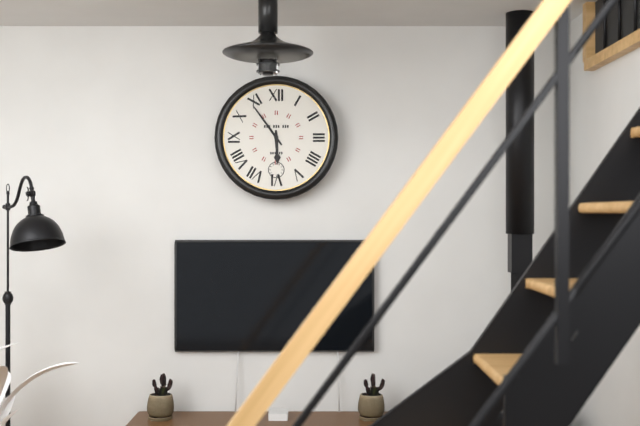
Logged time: 5 h 54 min
